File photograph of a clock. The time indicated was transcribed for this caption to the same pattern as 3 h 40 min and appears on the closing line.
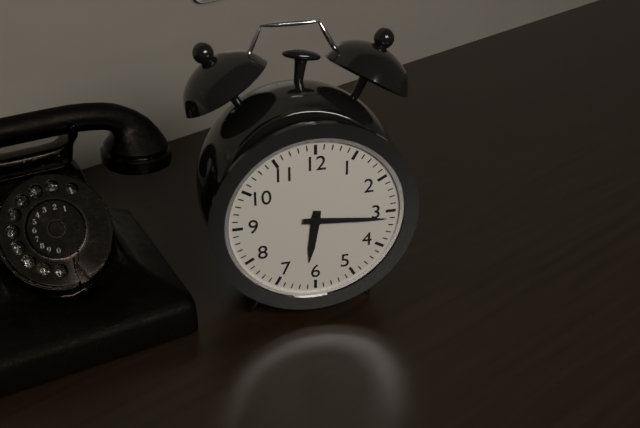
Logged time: 6 h 16 min
